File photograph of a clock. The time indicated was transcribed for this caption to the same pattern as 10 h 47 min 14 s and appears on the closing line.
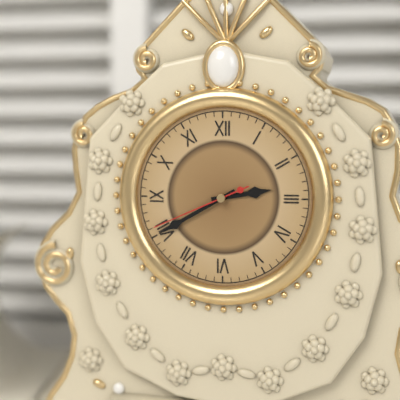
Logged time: 2 h 40 min 41 s
